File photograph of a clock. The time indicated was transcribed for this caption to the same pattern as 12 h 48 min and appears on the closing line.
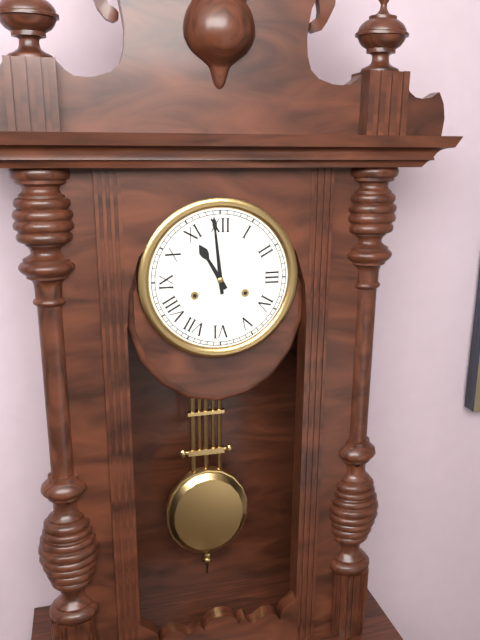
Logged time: 10 h 59 min
